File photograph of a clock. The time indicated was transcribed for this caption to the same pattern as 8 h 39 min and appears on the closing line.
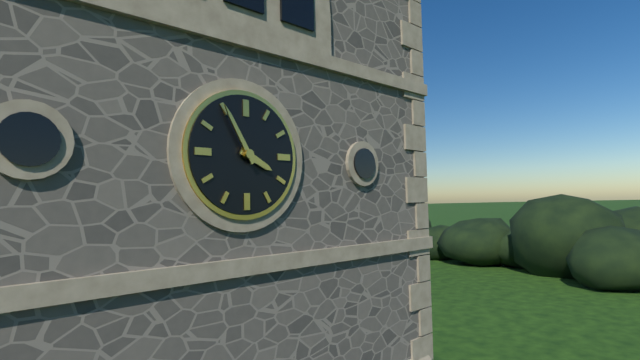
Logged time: 3 h 55 min
